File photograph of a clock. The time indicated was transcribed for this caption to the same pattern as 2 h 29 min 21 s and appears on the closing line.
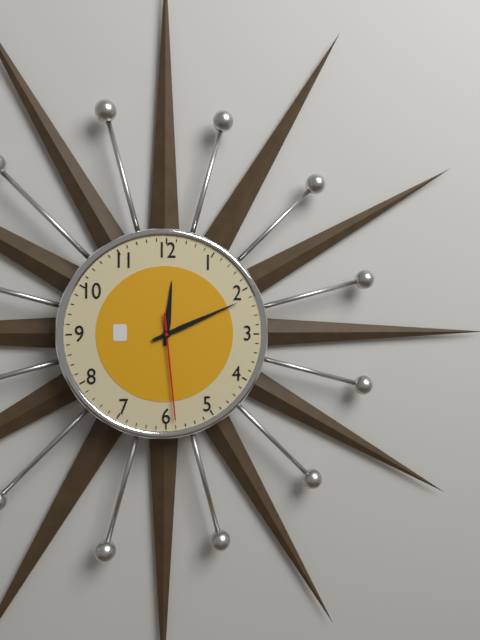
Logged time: 12 h 11 min 29 s
